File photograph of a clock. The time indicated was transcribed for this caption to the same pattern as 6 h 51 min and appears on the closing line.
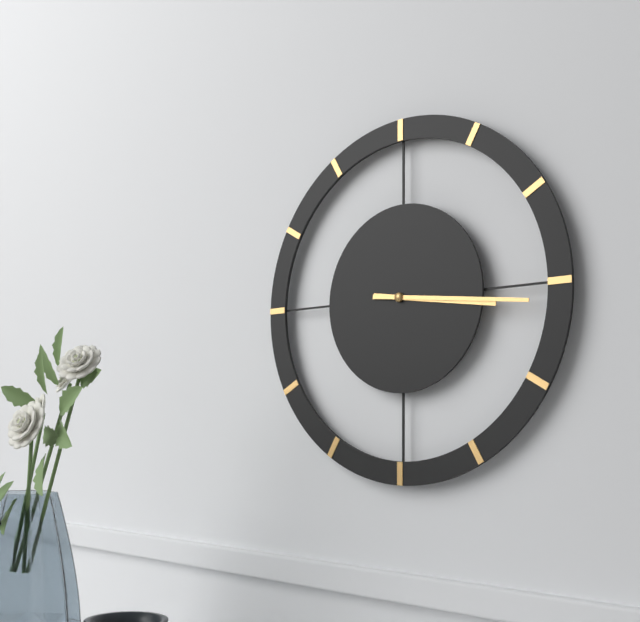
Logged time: 3 h 16 min
